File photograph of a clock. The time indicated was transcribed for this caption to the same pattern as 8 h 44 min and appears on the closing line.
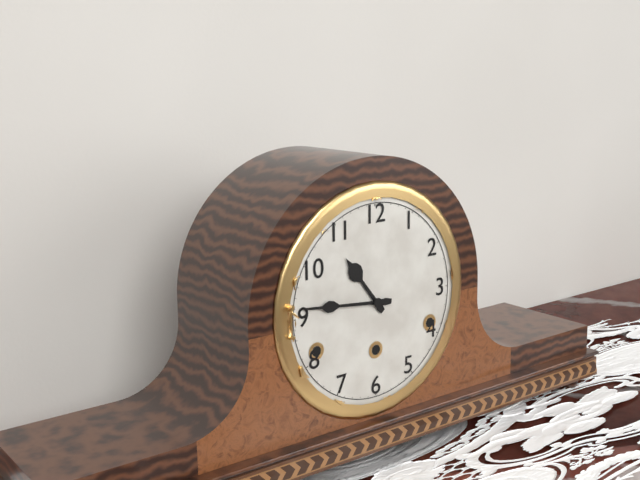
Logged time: 10 h 46 min
